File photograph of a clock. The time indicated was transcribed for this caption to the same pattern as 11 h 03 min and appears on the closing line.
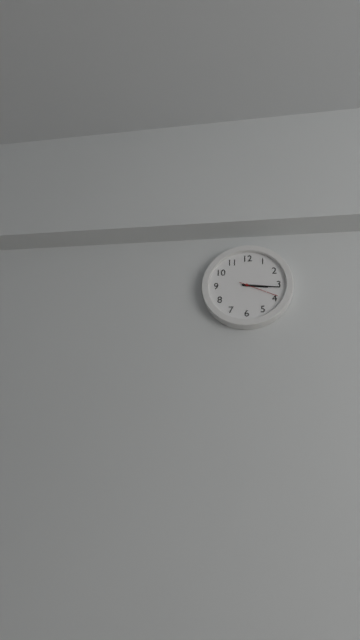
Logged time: 3 h 16 min
